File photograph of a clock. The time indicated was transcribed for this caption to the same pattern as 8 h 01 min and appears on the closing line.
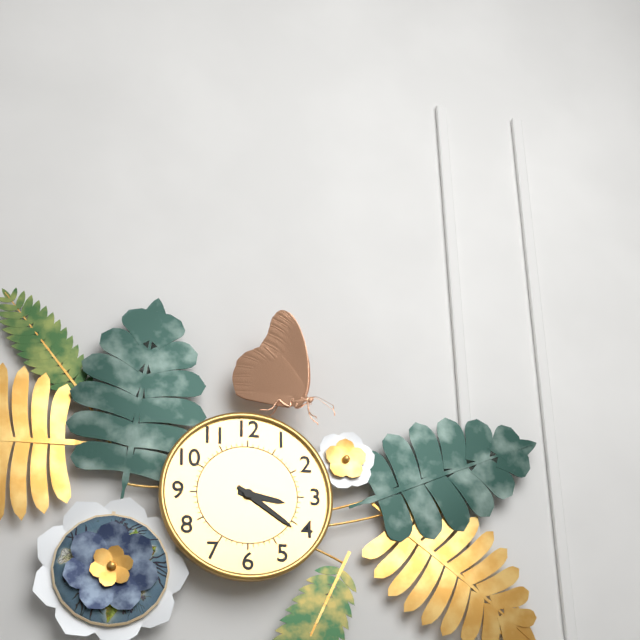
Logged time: 3 h 21 min
